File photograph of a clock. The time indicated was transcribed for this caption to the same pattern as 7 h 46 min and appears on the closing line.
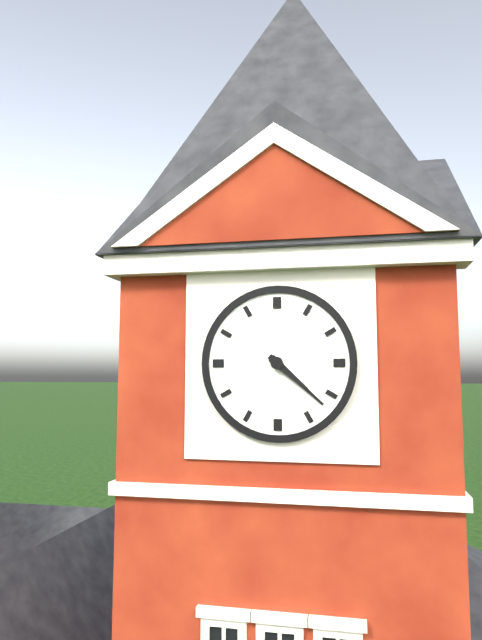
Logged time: 4 h 22 min
